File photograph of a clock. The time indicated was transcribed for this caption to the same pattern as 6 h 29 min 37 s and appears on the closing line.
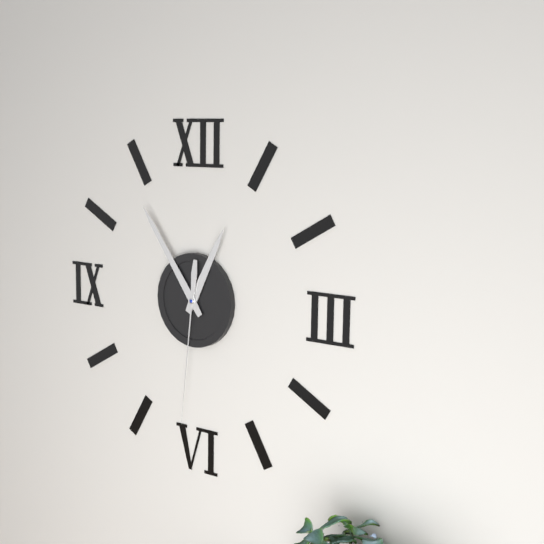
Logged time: 12 h 54 min 31 s
